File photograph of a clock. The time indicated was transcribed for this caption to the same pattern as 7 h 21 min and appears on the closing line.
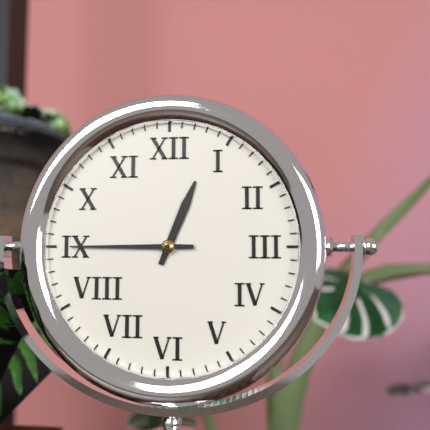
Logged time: 12 h 45 min
